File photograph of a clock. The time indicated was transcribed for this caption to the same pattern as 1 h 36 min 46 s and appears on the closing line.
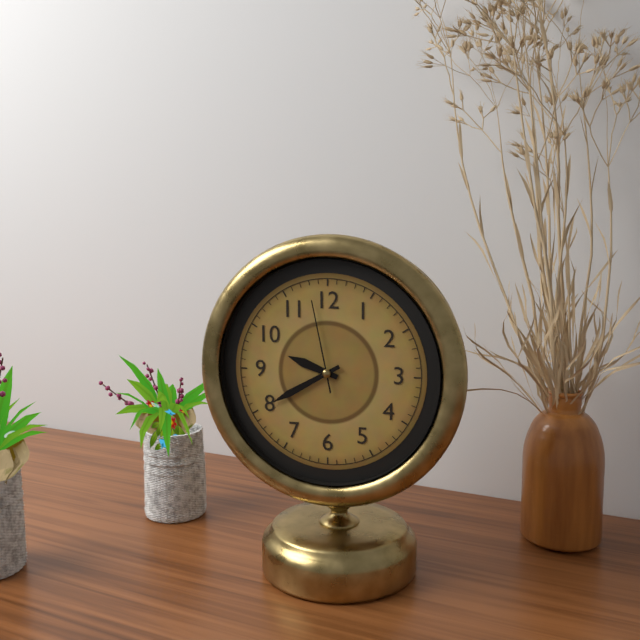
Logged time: 9 h 40 min 58 s
